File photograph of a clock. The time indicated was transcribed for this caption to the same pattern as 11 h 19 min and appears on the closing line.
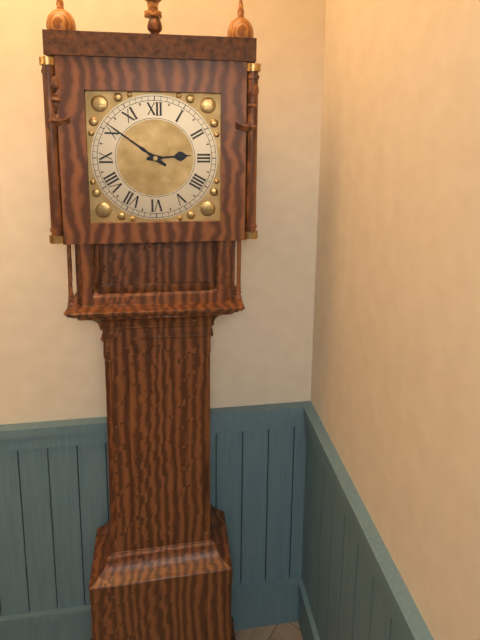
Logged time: 2 h 51 min
